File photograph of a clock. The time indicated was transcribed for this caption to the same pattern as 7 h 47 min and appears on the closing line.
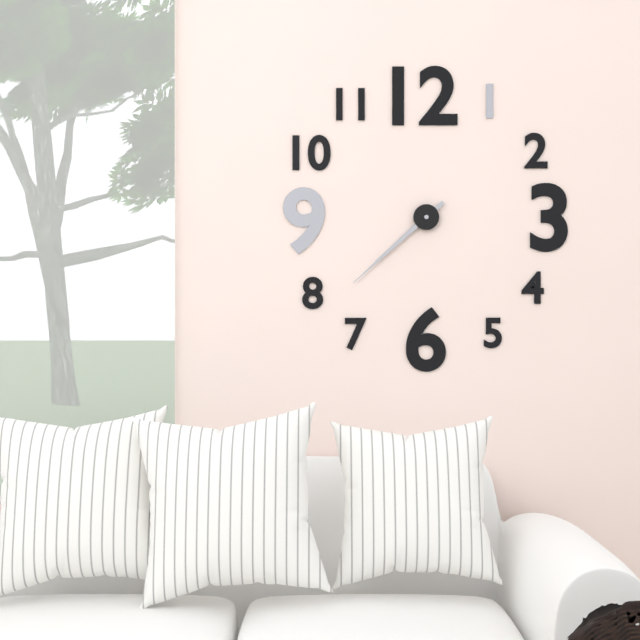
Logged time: 7 h 38 min
